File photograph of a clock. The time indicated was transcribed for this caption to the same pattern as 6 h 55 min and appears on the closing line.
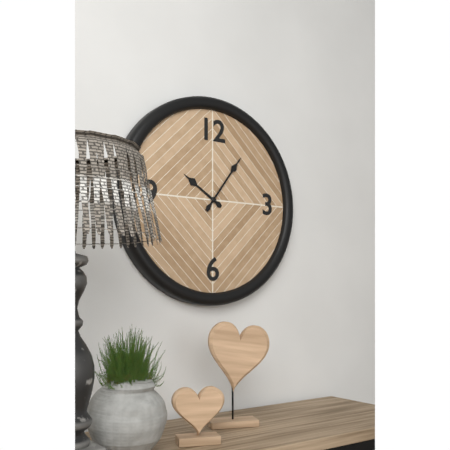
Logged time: 10 h 06 min
